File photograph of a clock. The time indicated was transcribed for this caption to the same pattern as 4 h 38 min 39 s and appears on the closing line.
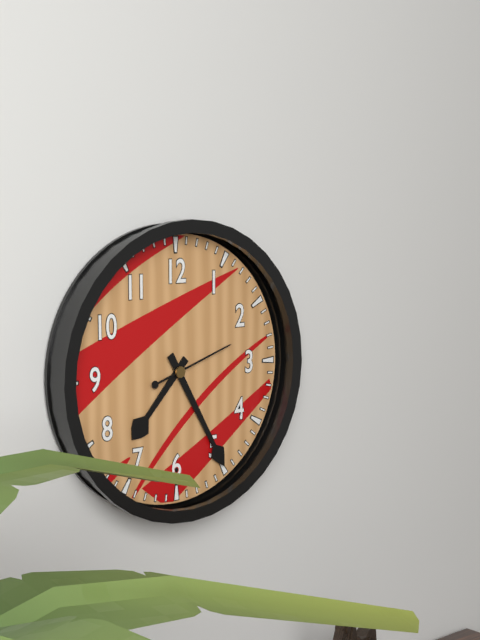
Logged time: 7 h 25 min 12 s
